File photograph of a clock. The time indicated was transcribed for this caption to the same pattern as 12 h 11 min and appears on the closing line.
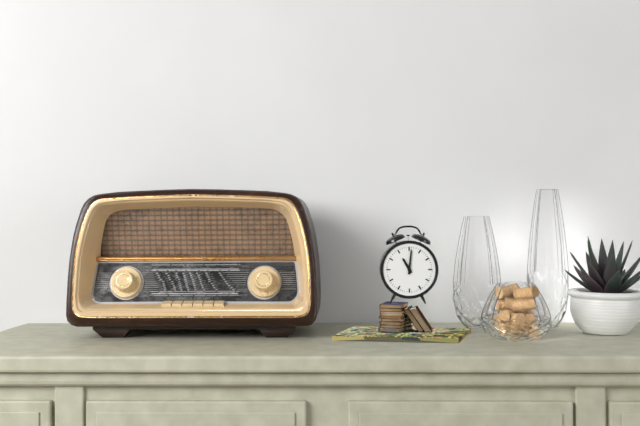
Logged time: 11 h 01 min
